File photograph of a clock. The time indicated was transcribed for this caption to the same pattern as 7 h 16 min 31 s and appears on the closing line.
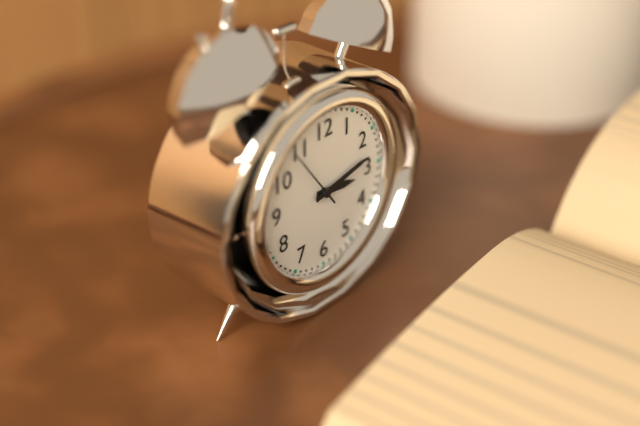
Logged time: 3 h 13 min 54 s
